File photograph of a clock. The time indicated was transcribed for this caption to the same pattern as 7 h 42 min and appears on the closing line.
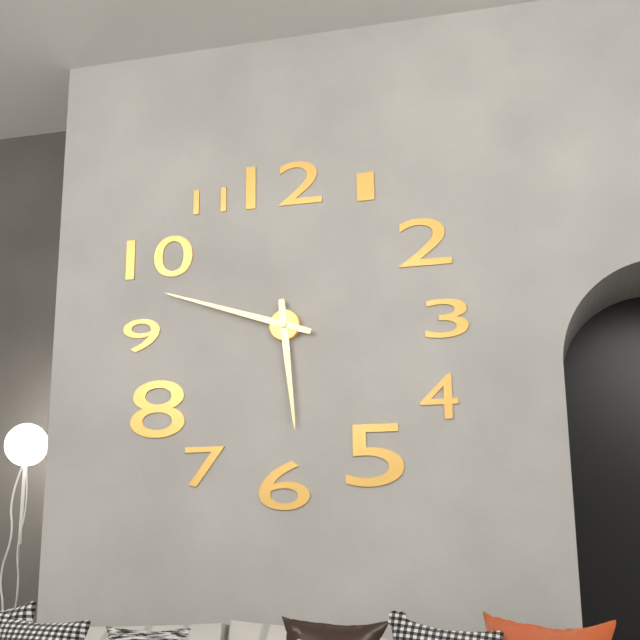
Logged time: 5 h 48 min
